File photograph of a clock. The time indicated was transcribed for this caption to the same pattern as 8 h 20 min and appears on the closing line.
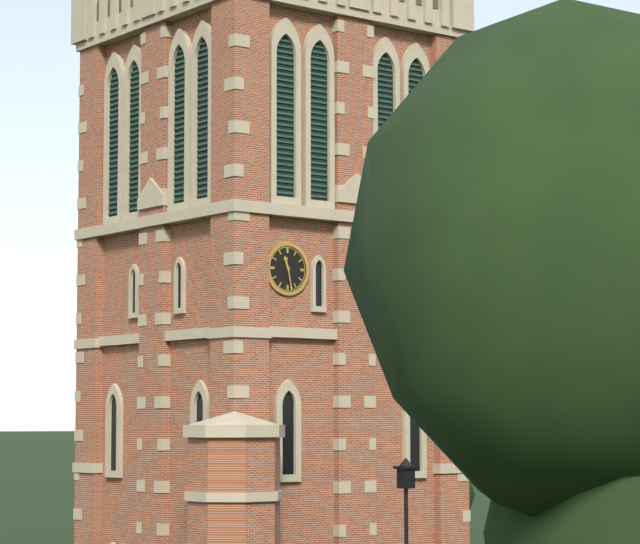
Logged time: 11 h 28 min
